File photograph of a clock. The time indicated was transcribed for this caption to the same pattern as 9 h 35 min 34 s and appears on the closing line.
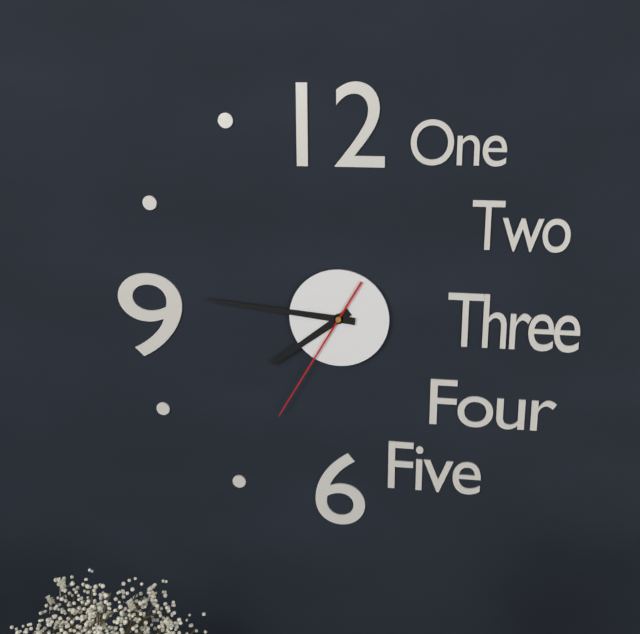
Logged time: 7 h 46 min 35 s
